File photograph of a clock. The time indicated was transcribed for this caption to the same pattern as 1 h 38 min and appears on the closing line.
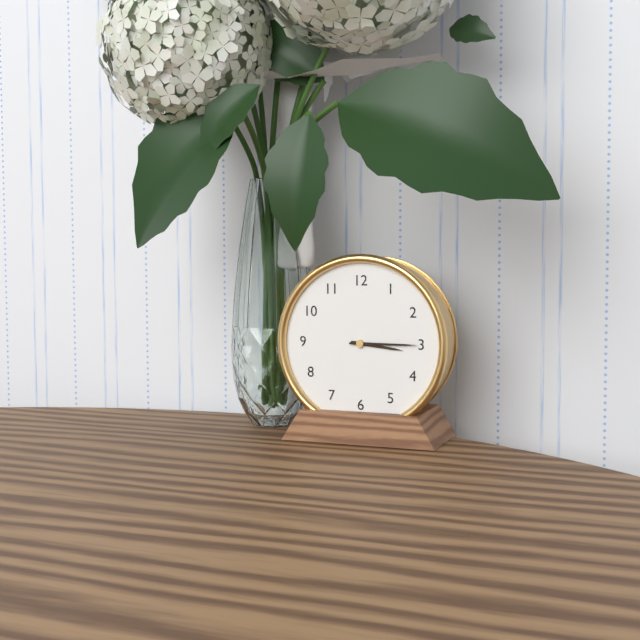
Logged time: 3 h 15 min
